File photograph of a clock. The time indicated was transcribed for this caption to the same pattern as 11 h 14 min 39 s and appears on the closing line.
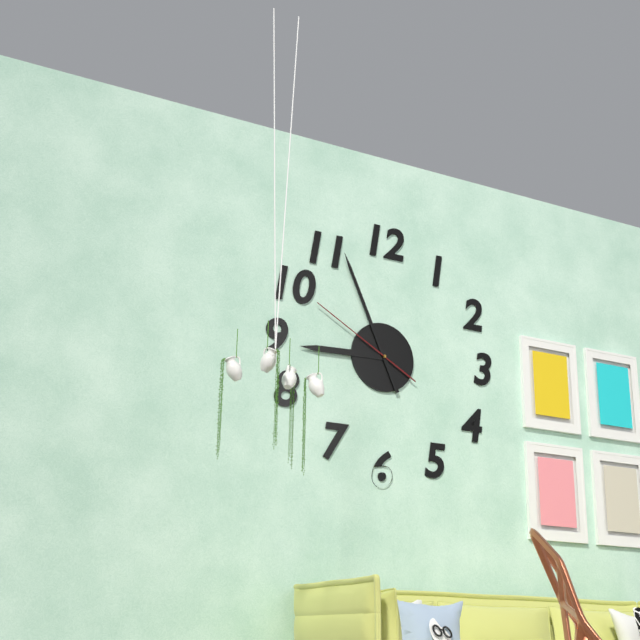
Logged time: 8 h 56 min 50 s
